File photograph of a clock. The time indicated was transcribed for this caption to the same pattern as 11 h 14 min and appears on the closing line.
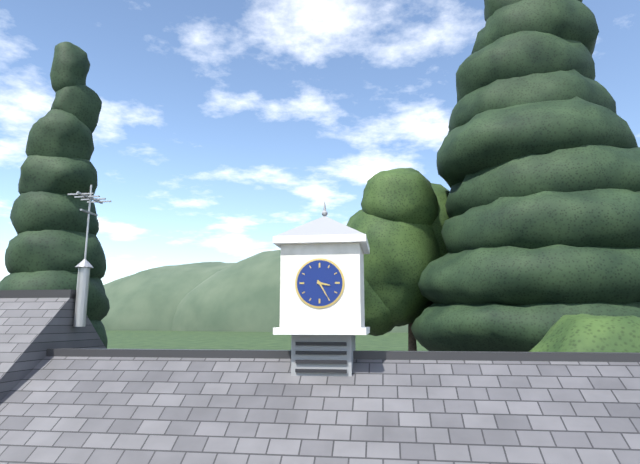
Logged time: 3 h 25 min
